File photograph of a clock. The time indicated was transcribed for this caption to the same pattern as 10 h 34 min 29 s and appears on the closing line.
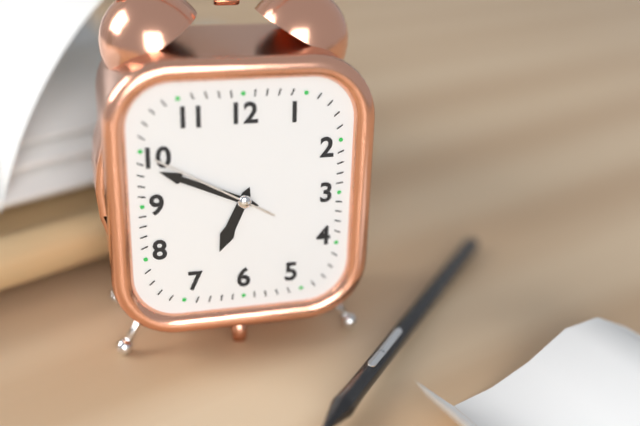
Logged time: 6 h 49 min 50 s
